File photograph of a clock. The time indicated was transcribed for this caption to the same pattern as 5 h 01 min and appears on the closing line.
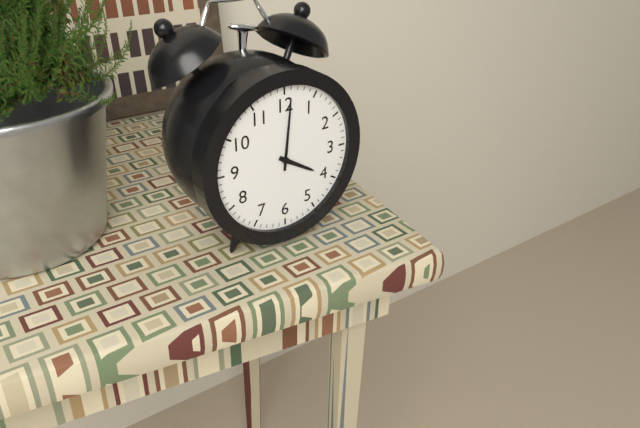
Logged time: 4 h 01 min
